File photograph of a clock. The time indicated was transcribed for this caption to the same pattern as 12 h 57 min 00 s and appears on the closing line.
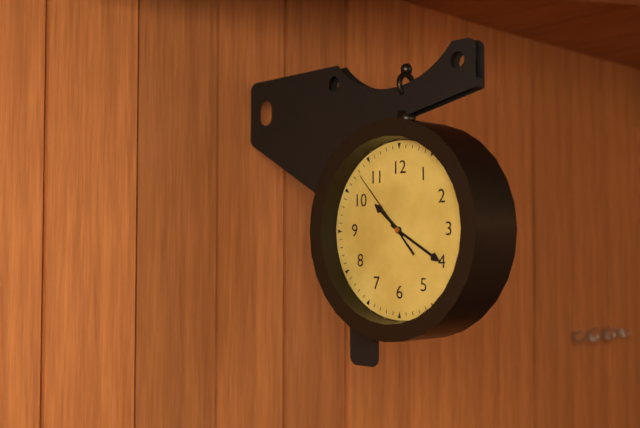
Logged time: 10 h 20 min 53 s
